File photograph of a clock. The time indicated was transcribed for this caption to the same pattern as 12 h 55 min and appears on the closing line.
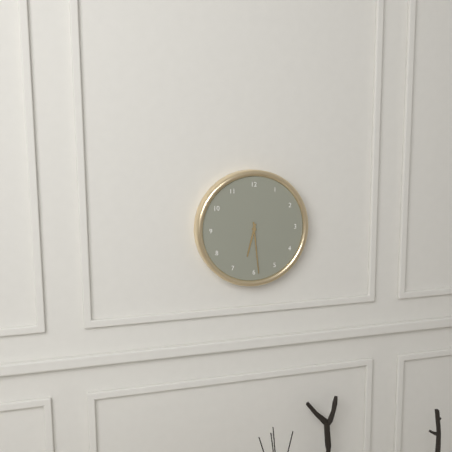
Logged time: 6 h 29 min
